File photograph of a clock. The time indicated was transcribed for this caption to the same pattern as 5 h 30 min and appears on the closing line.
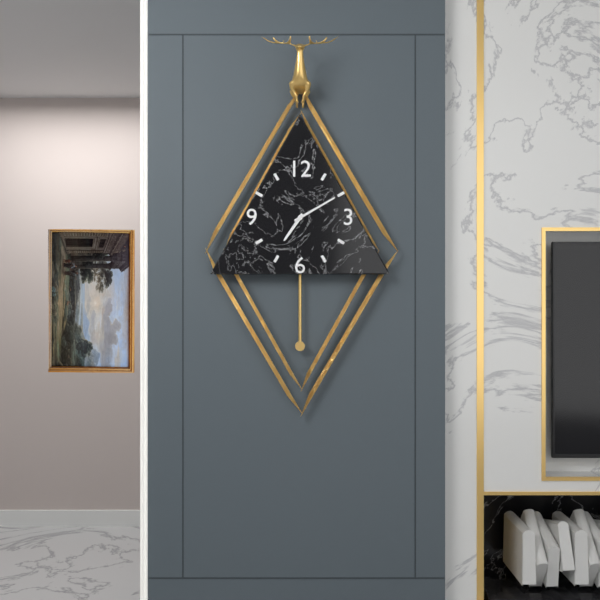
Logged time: 7 h 10 min
